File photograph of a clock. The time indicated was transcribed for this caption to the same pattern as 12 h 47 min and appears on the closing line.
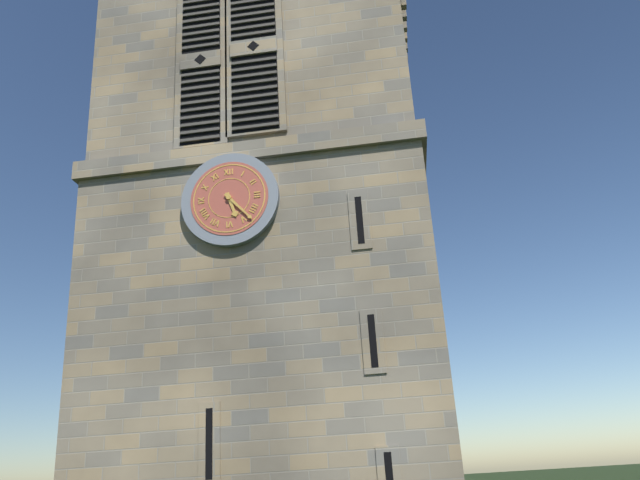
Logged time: 5 h 23 min
